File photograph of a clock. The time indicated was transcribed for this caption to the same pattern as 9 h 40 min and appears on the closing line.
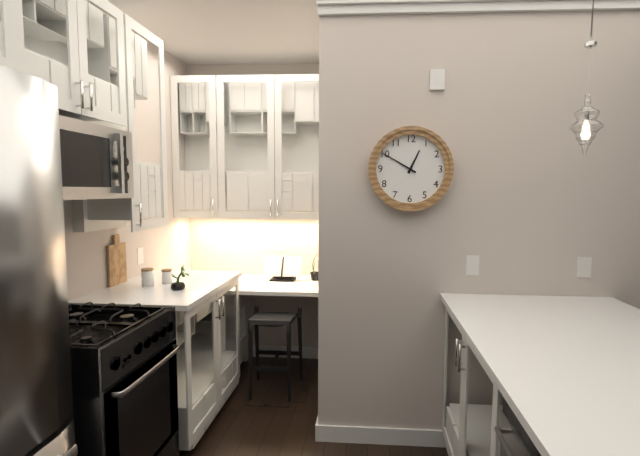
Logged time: 12 h 50 min
